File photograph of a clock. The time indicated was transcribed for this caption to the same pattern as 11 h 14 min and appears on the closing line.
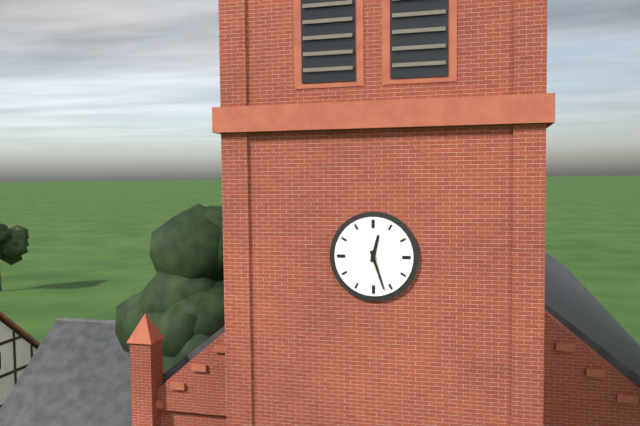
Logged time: 12 h 27 min
